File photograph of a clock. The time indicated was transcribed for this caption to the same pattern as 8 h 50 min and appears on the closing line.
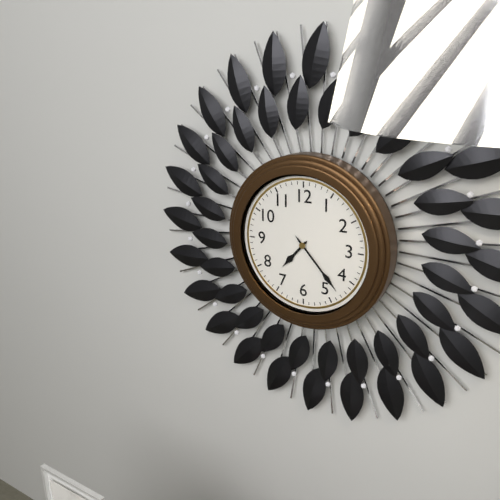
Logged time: 7 h 23 min
